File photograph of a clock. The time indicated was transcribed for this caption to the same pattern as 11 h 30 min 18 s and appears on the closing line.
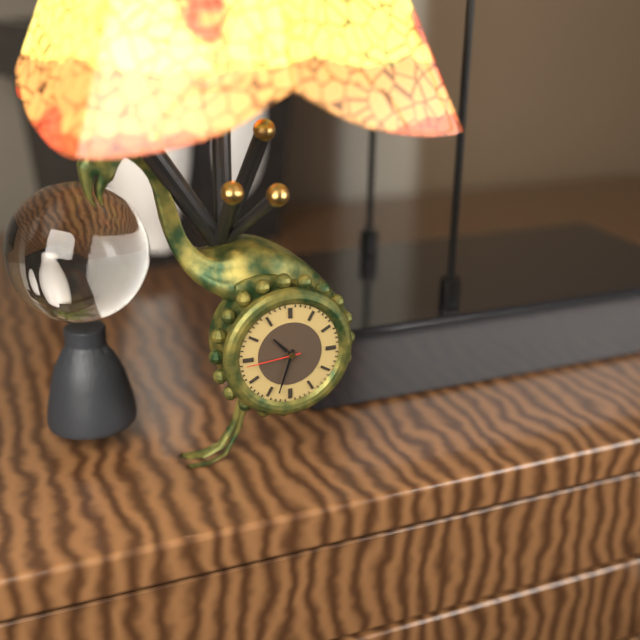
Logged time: 10 h 33 min 44 s
